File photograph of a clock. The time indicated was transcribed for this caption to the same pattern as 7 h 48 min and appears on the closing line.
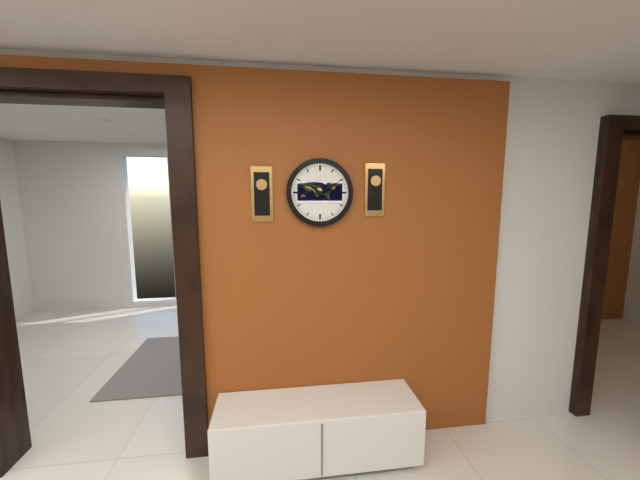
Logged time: 10 h 10 min
